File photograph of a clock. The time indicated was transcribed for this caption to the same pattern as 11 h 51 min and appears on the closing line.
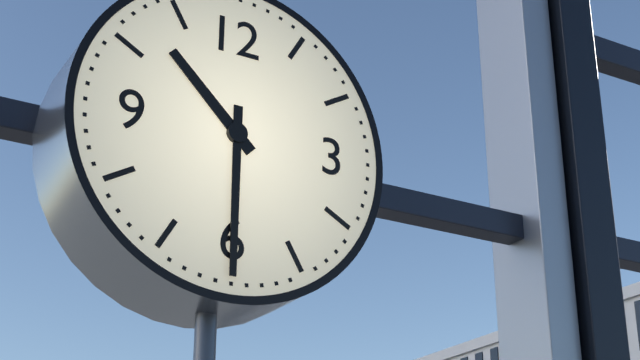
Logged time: 10 h 30 min
